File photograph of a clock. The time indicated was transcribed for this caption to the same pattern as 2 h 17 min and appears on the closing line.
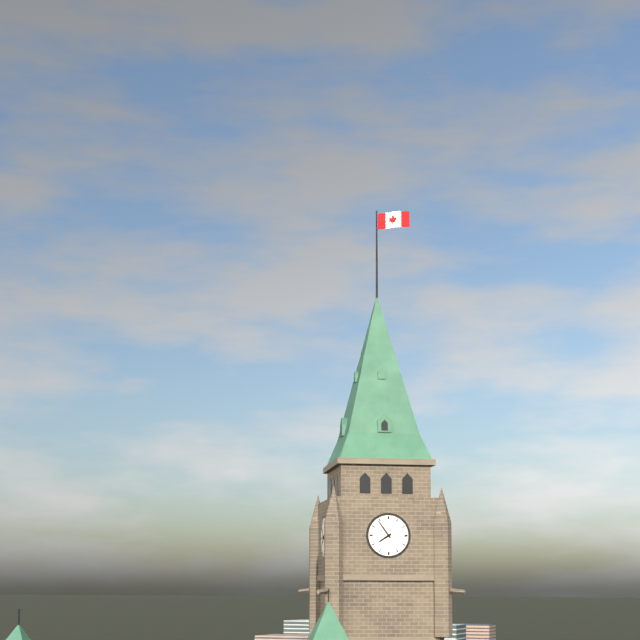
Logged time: 7 h 54 min
